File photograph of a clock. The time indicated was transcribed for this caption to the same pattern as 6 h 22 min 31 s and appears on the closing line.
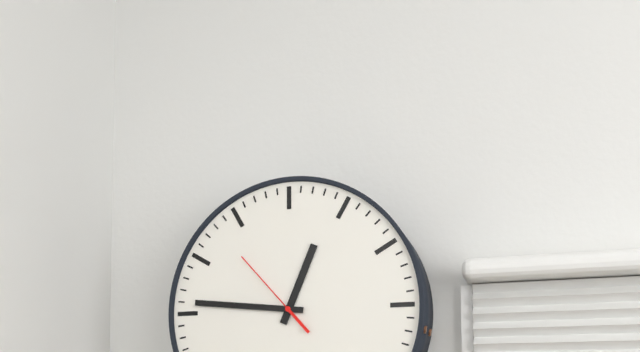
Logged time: 12 h 46 min 53 s
